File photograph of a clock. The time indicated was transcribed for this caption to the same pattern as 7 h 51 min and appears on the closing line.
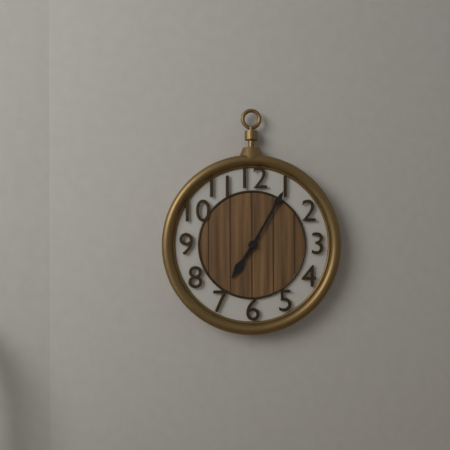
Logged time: 7 h 05 min
